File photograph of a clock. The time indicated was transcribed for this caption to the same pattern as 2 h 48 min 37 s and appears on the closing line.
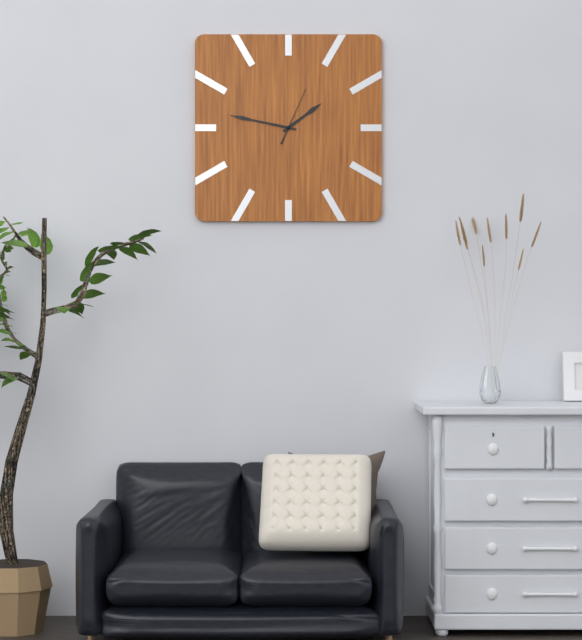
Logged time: 1 h 47 min 04 s
